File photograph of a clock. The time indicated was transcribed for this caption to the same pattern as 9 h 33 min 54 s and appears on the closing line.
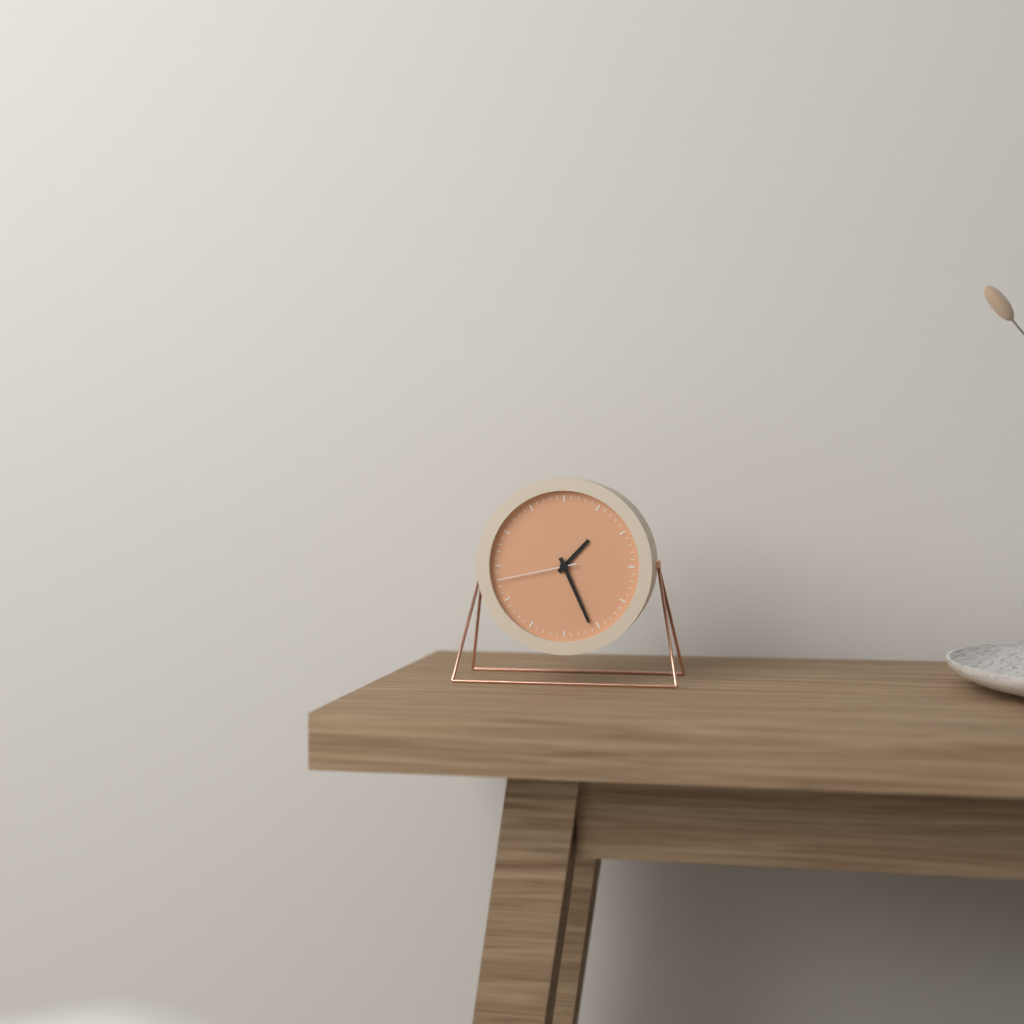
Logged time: 1 h 26 min 43 s
